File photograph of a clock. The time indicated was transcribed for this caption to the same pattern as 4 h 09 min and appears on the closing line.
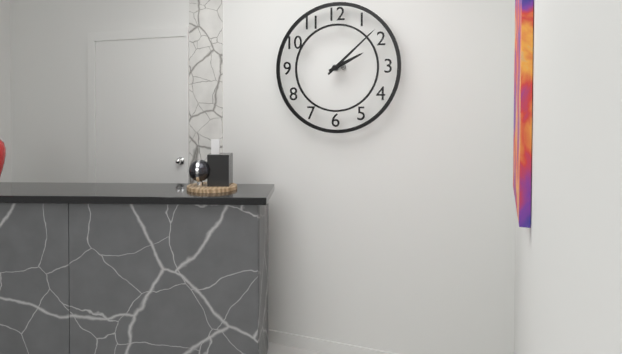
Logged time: 2 h 08 min
